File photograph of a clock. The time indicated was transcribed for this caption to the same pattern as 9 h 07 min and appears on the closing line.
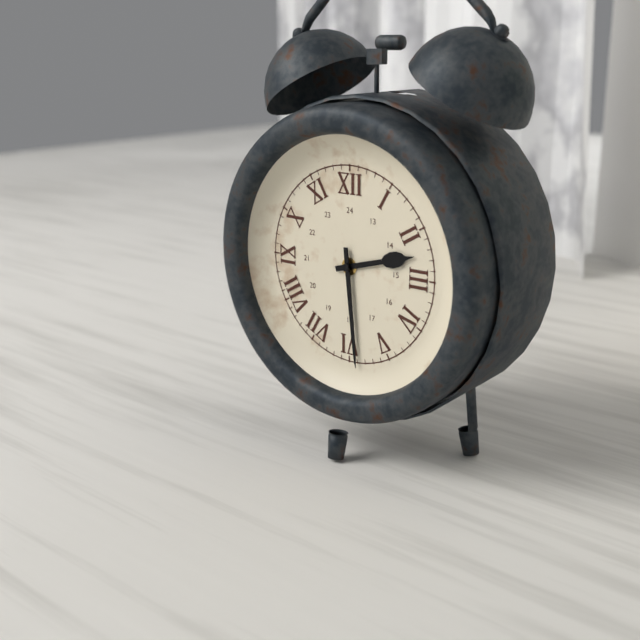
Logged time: 2 h 29 min
